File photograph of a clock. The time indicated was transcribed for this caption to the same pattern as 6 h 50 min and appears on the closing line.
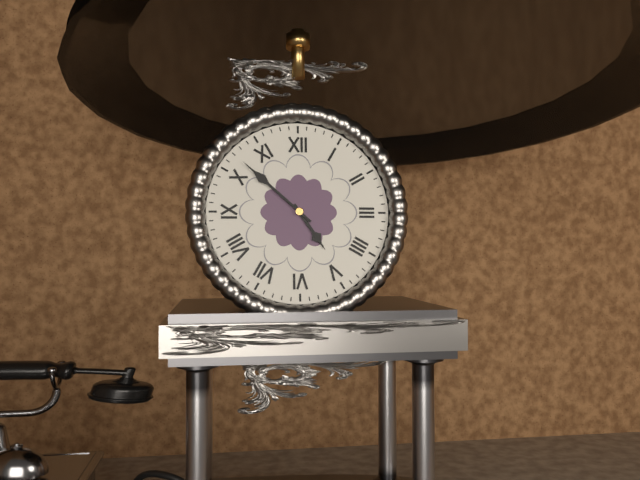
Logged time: 4 h 52 min
